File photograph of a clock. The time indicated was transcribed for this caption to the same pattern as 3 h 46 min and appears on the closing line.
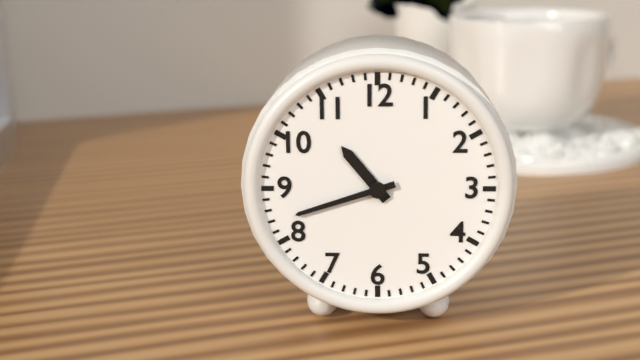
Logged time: 10 h 42 min
